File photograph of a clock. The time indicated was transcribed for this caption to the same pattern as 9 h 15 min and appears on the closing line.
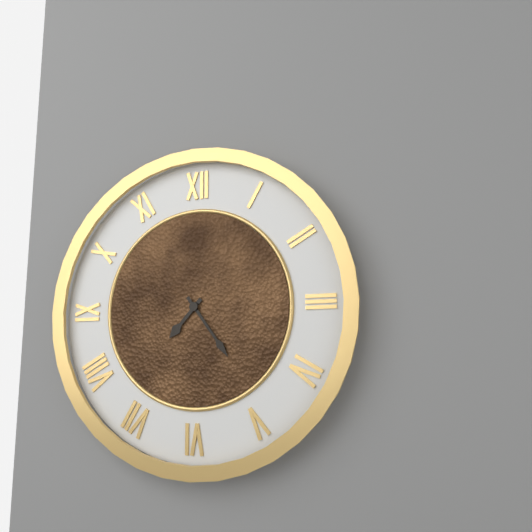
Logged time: 7 h 24 min
